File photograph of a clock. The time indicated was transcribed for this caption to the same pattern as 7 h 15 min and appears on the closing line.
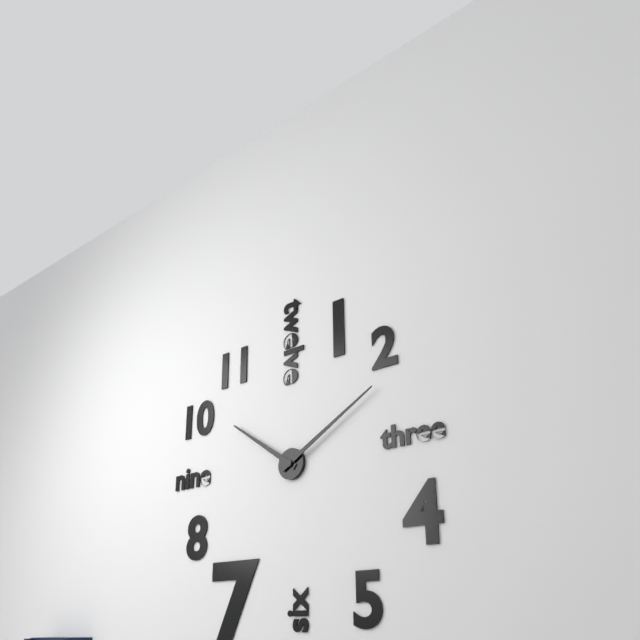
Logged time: 10 h 10 min
